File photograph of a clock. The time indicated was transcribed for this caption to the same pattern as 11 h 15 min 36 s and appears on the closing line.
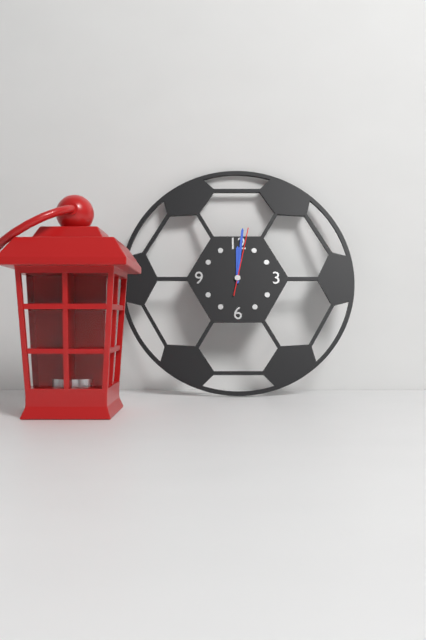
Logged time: 12 h 01 min 02 s
